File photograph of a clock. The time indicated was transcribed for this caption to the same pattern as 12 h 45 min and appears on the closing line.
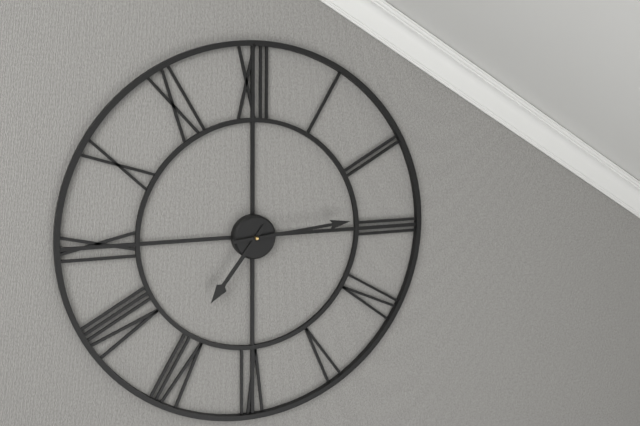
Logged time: 7 h 14 min
